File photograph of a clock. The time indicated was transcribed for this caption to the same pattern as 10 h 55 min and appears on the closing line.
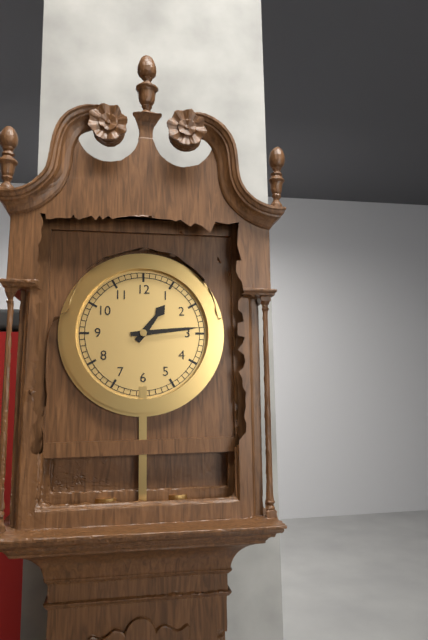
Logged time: 1 h 14 min
